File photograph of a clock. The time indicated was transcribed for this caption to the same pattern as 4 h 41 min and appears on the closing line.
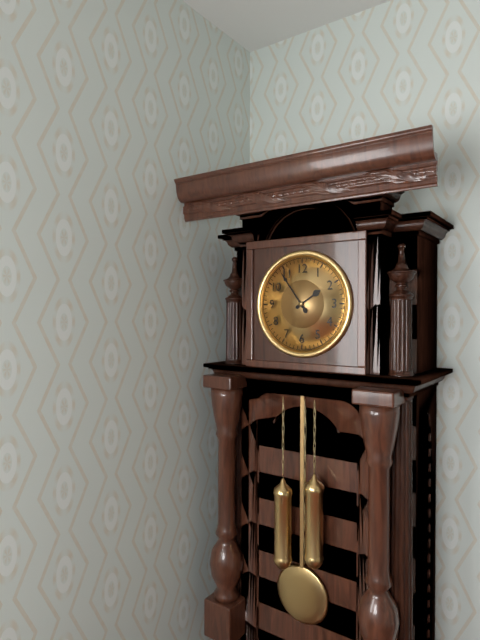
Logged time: 1 h 54 min
